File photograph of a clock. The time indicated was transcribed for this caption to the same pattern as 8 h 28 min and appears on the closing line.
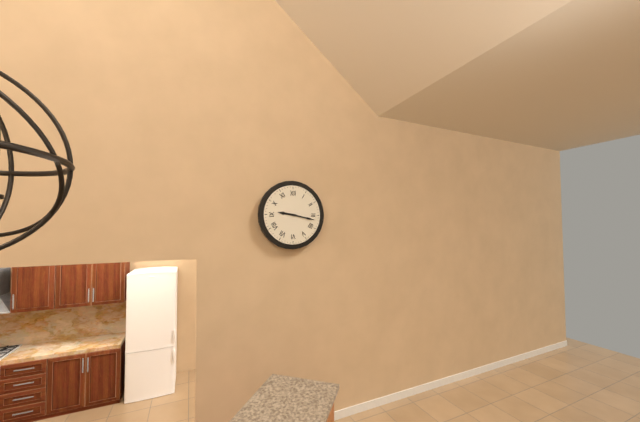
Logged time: 9 h 17 min
